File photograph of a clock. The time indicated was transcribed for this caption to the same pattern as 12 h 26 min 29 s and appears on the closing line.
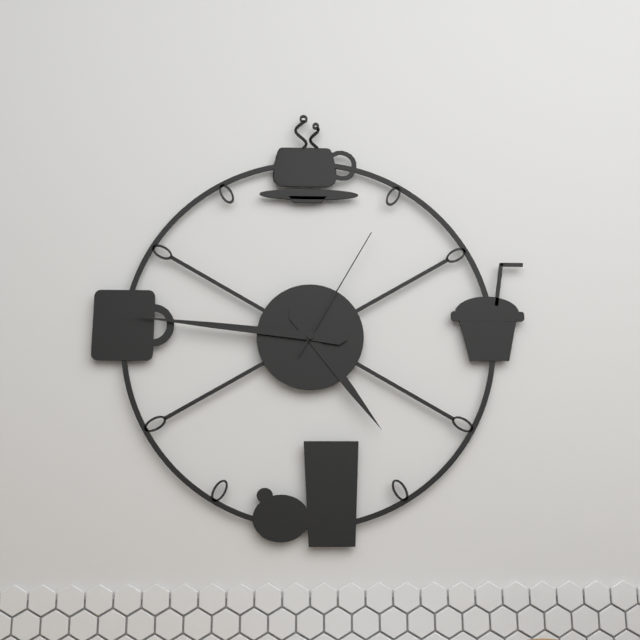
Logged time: 4 h 46 min 05 s
